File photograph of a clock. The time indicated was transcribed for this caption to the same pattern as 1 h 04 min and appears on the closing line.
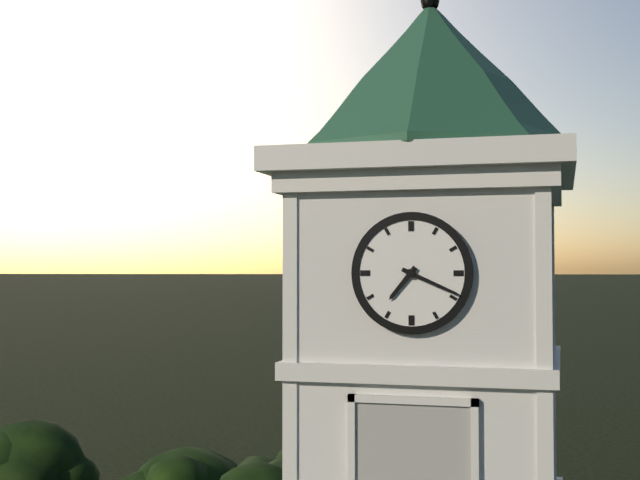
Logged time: 7 h 19 min
